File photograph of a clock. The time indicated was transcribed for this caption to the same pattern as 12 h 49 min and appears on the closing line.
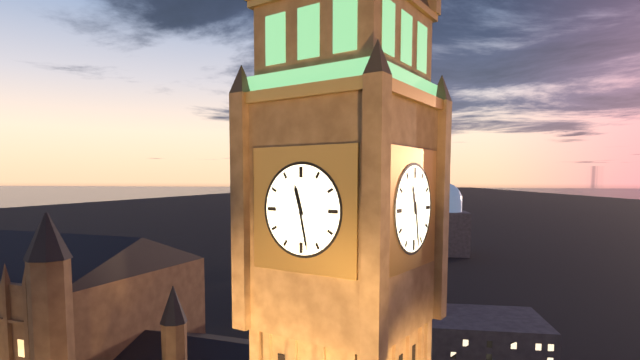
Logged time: 11 h 28 min
